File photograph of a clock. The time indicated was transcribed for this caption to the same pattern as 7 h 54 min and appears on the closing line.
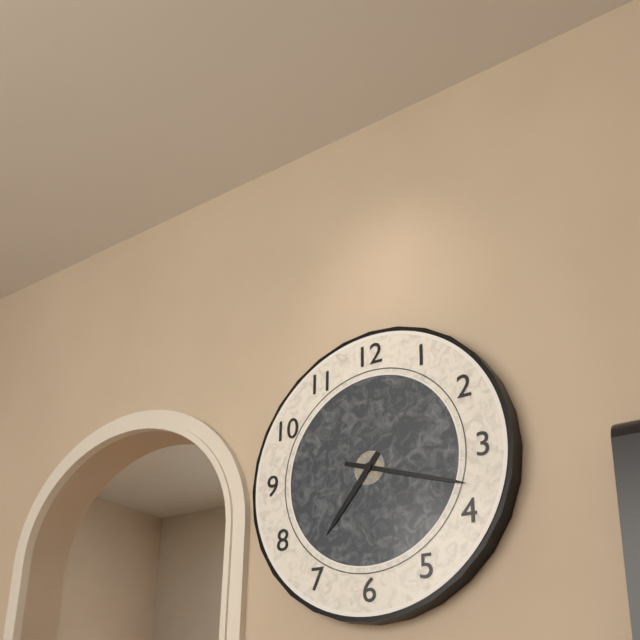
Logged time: 7 h 18 min
